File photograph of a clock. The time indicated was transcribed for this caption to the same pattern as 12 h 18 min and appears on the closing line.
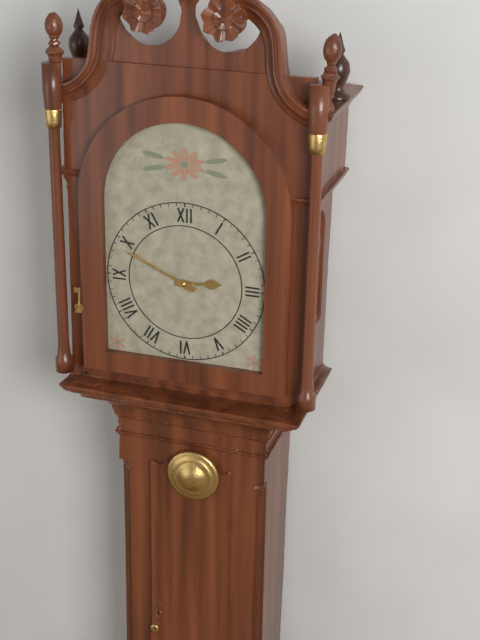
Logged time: 2 h 49 min
